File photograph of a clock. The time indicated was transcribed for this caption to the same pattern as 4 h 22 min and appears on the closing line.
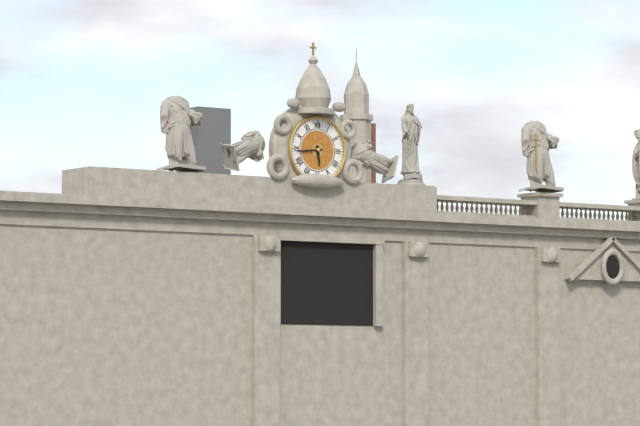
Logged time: 5 h 44 min
